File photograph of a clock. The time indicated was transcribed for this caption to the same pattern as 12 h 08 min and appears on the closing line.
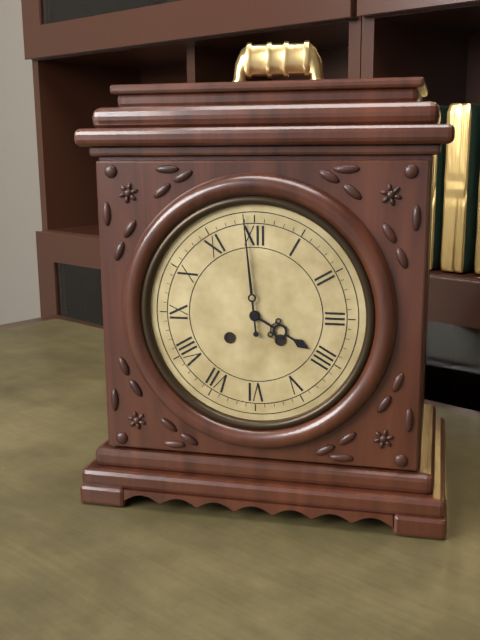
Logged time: 3 h 59 min
